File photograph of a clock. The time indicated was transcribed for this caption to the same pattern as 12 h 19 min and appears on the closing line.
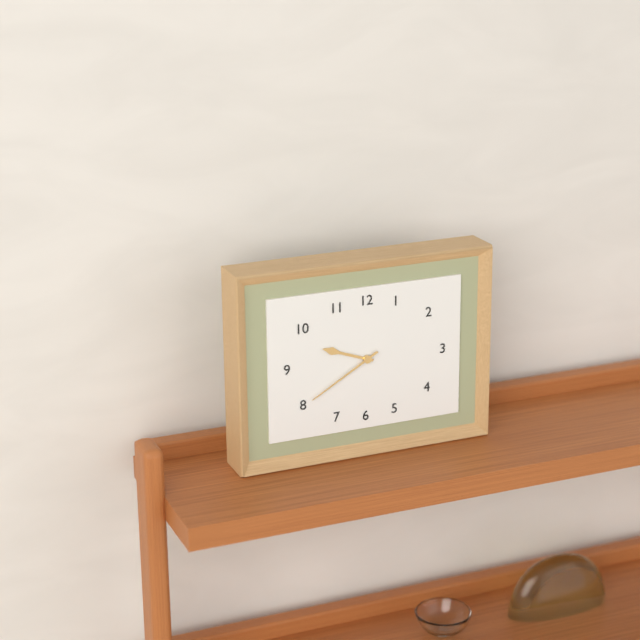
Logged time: 9 h 40 min
